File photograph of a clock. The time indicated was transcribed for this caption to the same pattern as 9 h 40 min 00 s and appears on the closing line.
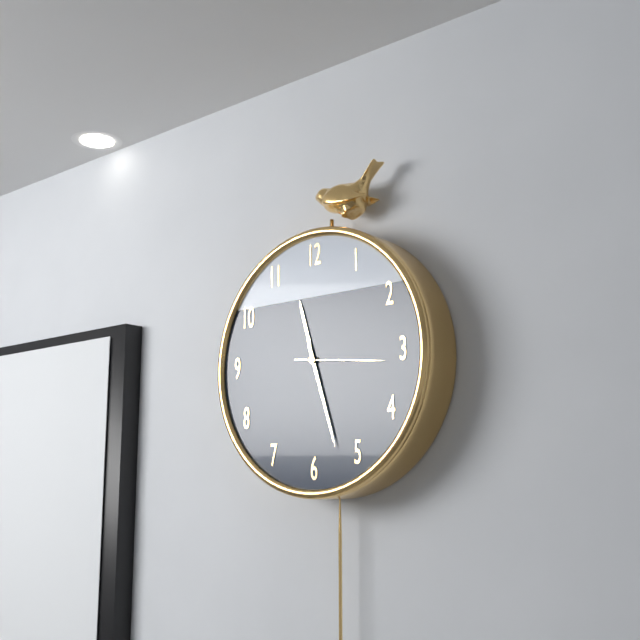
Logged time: 11 h 27 min 16 s
